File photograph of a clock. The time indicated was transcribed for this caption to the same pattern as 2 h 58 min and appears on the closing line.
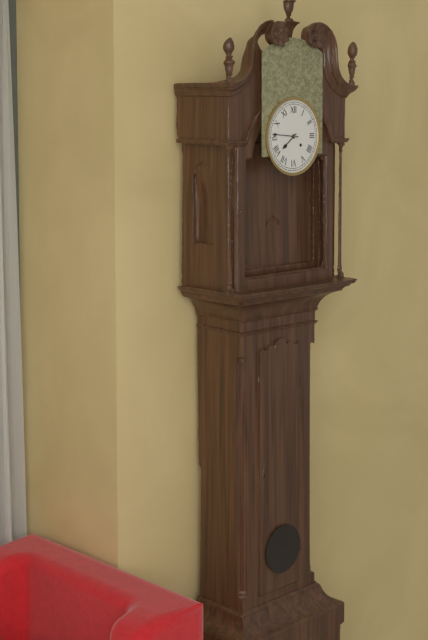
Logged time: 7 h 46 min
